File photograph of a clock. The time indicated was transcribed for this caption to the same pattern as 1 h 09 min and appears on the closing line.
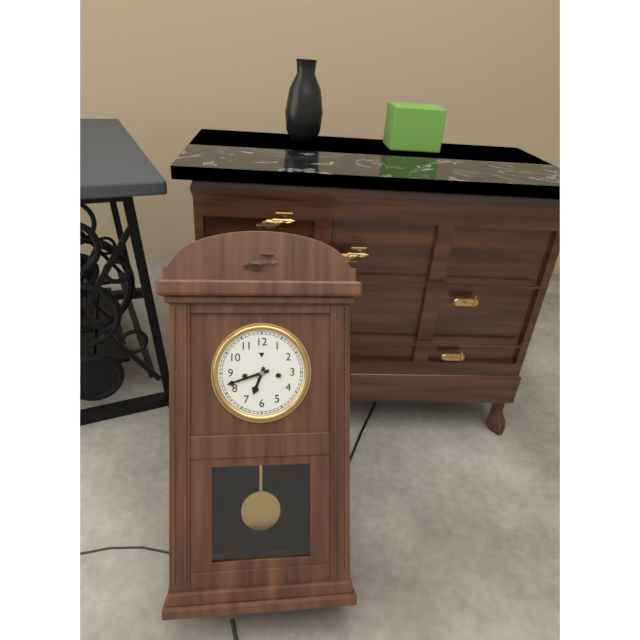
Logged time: 6 h 42 min
